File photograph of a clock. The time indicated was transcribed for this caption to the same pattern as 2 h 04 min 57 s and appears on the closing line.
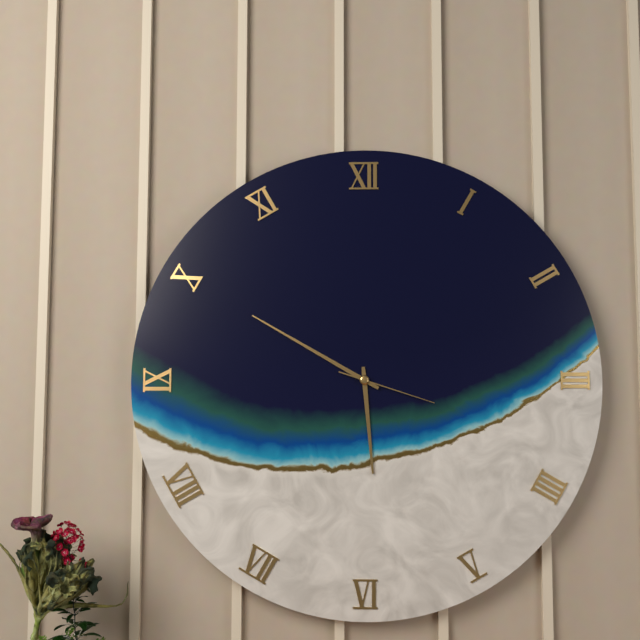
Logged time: 5 h 50 min 18 s
